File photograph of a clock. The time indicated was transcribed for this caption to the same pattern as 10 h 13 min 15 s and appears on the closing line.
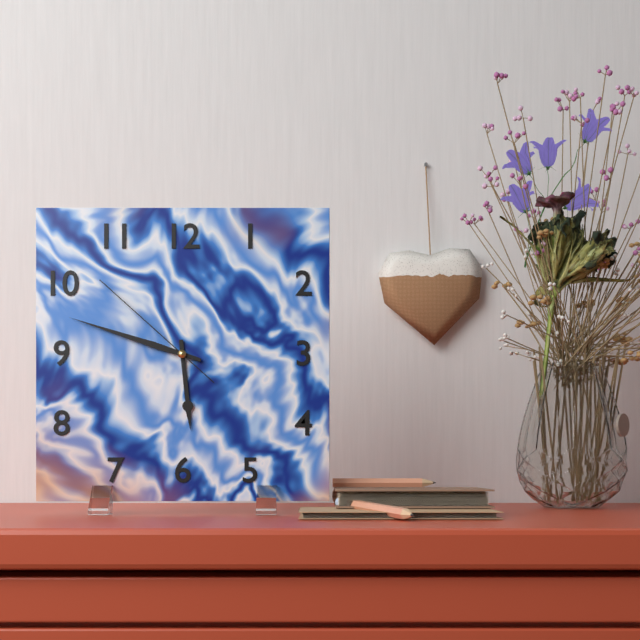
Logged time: 5 h 48 min 52 s
